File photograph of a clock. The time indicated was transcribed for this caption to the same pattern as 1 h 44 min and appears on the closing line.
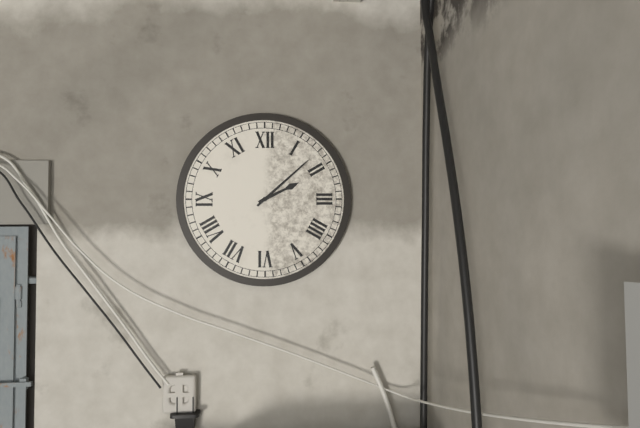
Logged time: 2 h 08 min
